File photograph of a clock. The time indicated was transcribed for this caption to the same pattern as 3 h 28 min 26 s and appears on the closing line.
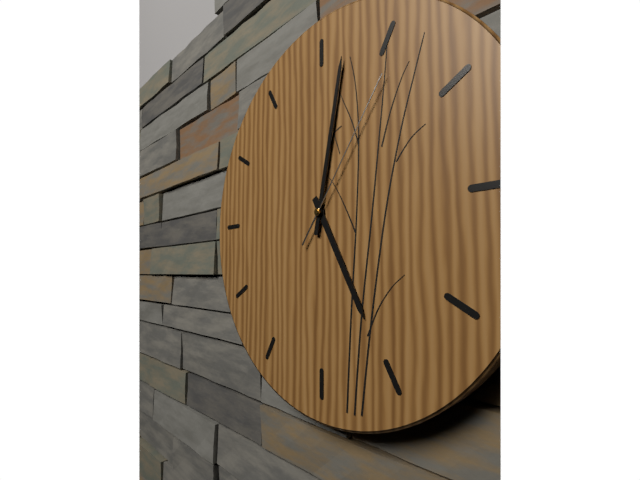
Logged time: 5 h 02 min 06 s
